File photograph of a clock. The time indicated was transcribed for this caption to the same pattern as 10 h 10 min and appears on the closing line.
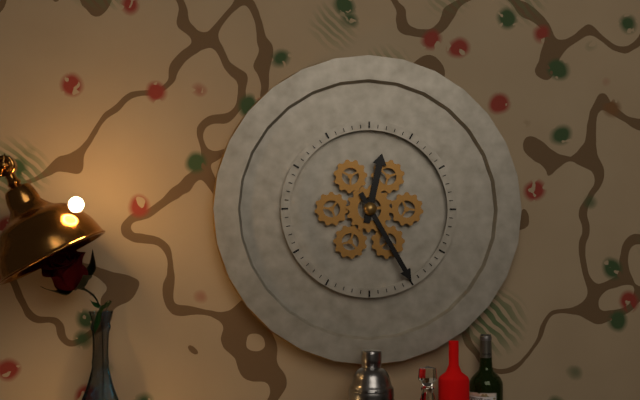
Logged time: 12 h 25 min
